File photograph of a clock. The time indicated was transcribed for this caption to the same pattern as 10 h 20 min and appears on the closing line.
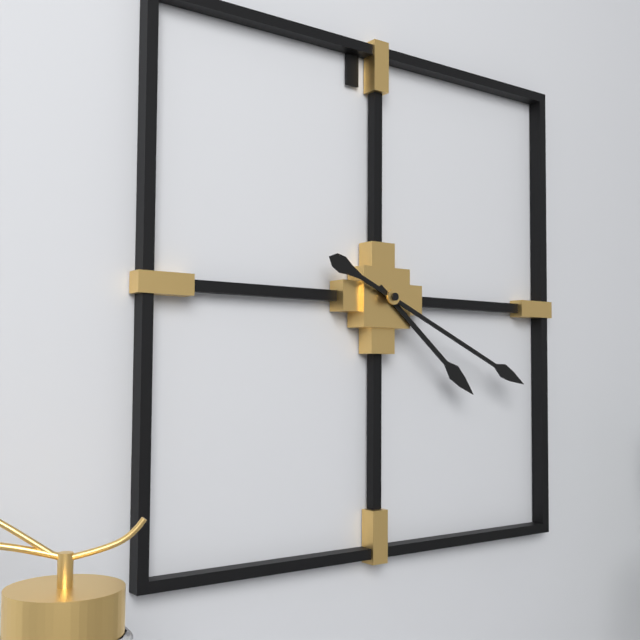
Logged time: 4 h 19 min
